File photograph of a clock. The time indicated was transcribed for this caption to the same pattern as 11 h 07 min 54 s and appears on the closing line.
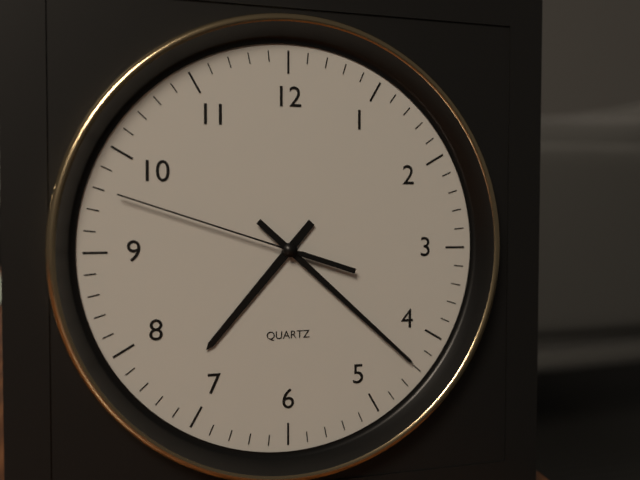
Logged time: 7 h 22 min 48 s
